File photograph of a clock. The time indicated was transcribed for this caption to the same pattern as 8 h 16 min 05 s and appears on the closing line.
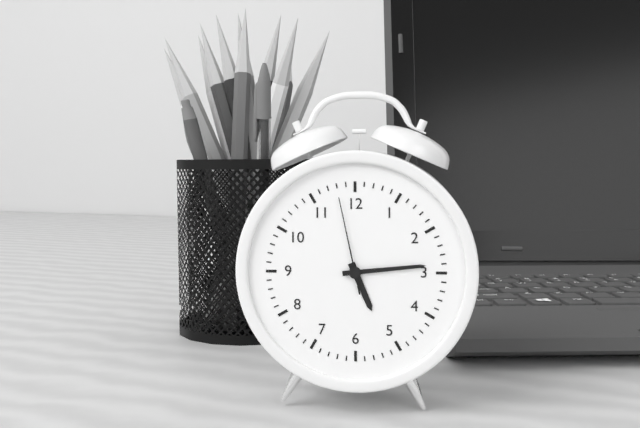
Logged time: 5 h 14 min 58 s
